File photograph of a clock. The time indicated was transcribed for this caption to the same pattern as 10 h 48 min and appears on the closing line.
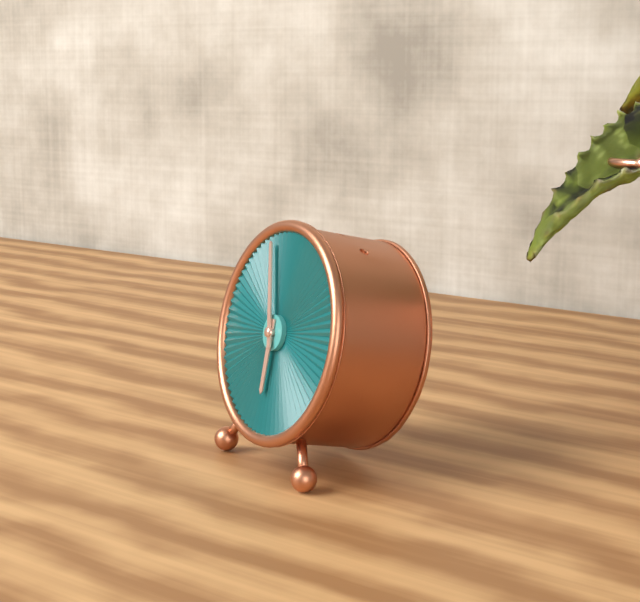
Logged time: 5 h 57 min
